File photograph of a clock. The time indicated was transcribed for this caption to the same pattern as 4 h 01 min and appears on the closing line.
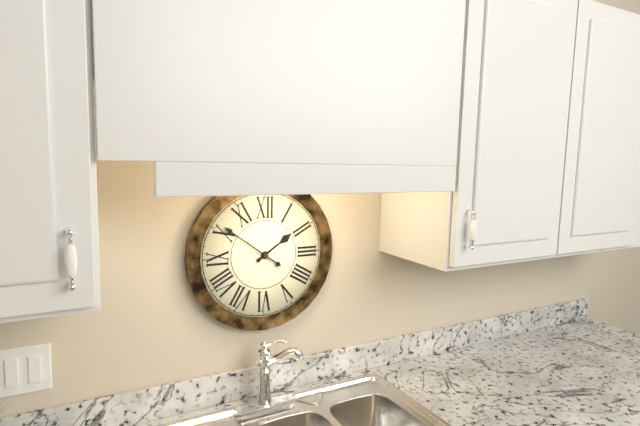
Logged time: 1 h 51 min
